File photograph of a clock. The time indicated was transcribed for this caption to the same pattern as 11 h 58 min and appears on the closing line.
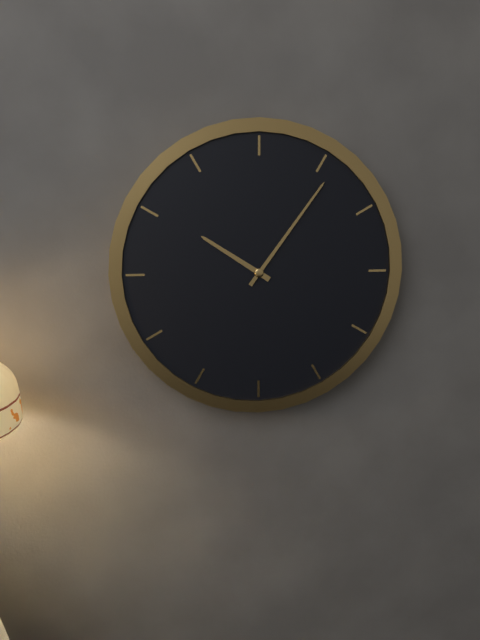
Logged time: 10 h 06 min
